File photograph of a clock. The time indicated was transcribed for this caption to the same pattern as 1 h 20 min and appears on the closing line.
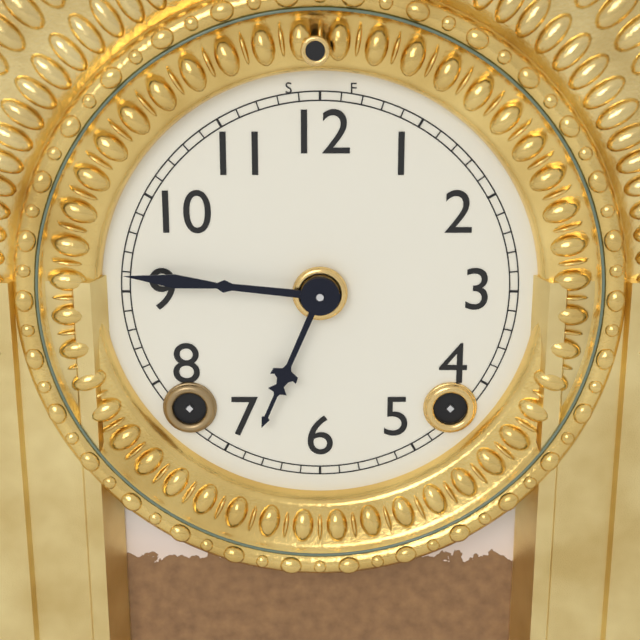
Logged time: 6 h 46 min
